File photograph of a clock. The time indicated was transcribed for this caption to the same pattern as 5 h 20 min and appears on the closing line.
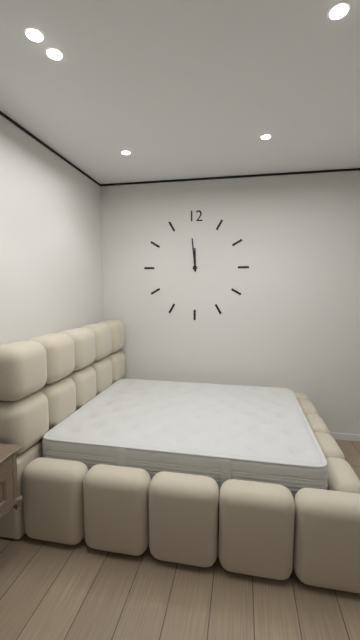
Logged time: 11 h 59 min
